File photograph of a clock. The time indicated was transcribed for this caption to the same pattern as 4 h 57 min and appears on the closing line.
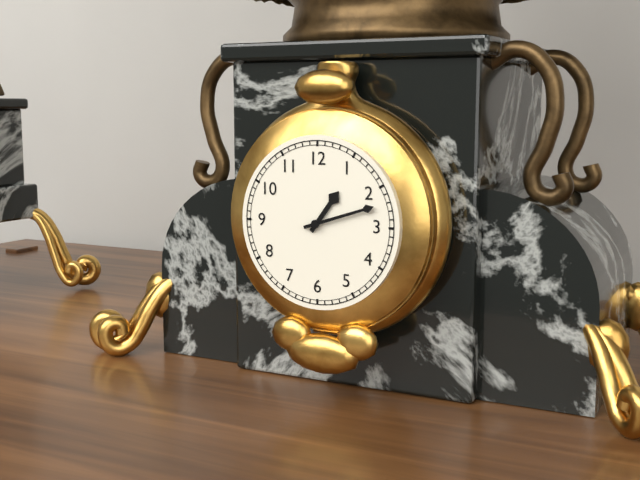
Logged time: 1 h 12 min
